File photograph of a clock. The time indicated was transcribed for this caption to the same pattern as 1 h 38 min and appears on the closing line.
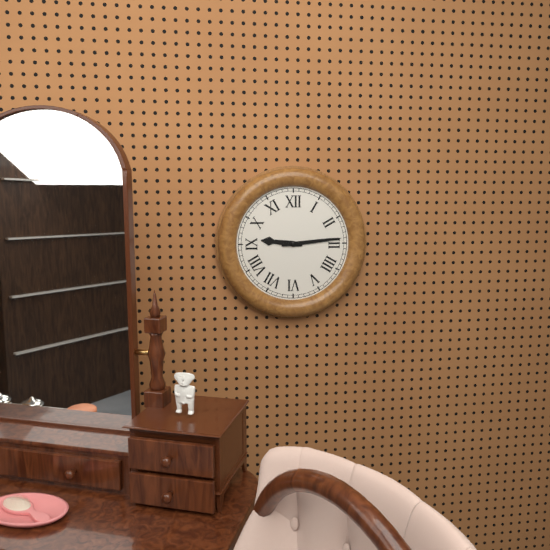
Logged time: 9 h 14 min
